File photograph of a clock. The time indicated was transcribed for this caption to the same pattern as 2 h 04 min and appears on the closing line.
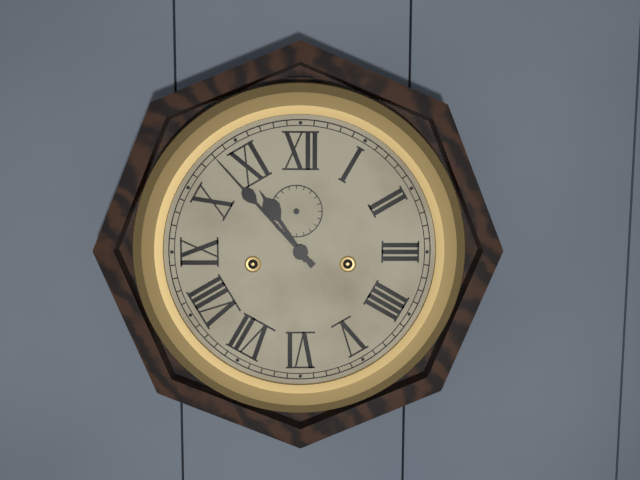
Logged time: 10 h 53 min
